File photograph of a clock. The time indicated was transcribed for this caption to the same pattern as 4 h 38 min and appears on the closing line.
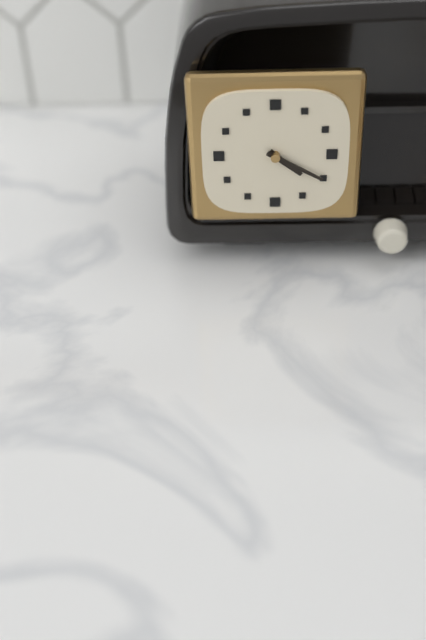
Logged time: 4 h 20 min
